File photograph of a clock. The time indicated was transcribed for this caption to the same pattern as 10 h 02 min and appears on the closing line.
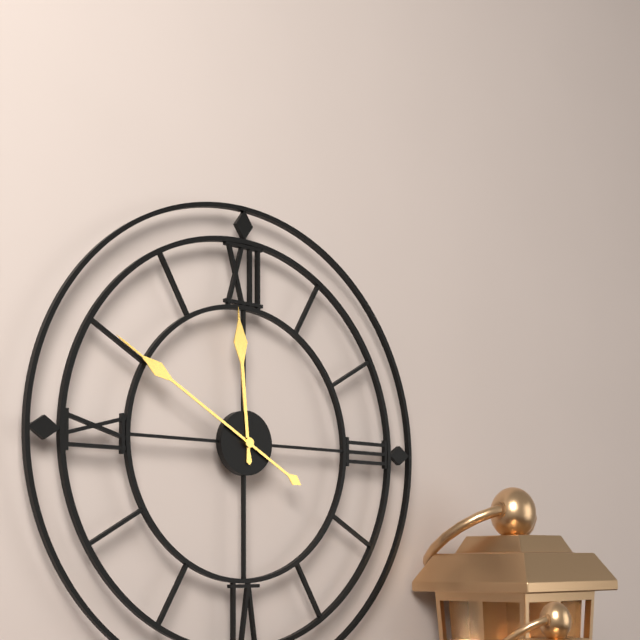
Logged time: 11 h 50 min
